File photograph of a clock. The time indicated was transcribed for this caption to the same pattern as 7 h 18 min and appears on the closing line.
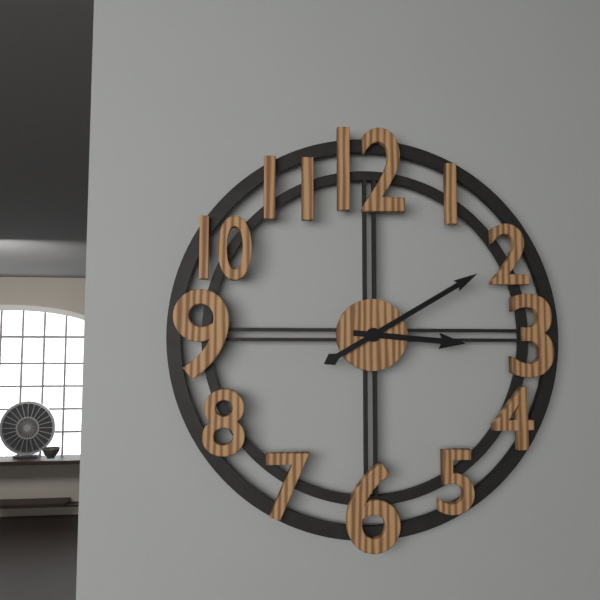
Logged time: 3 h 10 min
